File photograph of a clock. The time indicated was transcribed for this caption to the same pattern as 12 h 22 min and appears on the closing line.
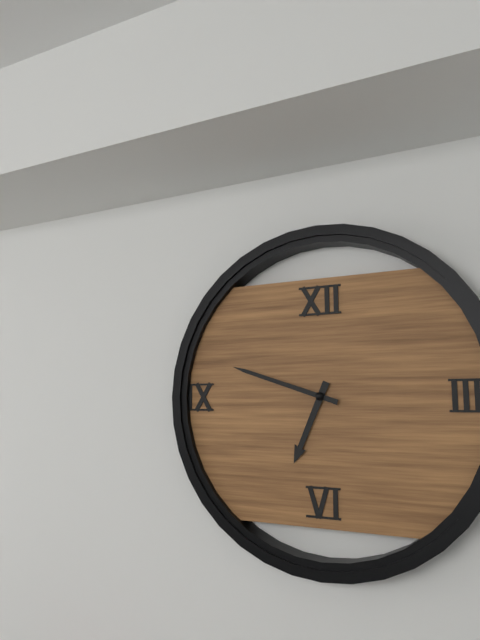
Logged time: 6 h 48 min
